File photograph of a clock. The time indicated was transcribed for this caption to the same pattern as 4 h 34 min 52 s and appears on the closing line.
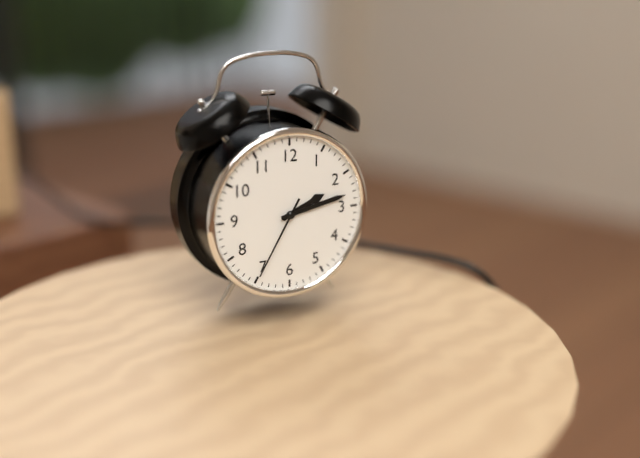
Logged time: 2 h 13 min 35 s
